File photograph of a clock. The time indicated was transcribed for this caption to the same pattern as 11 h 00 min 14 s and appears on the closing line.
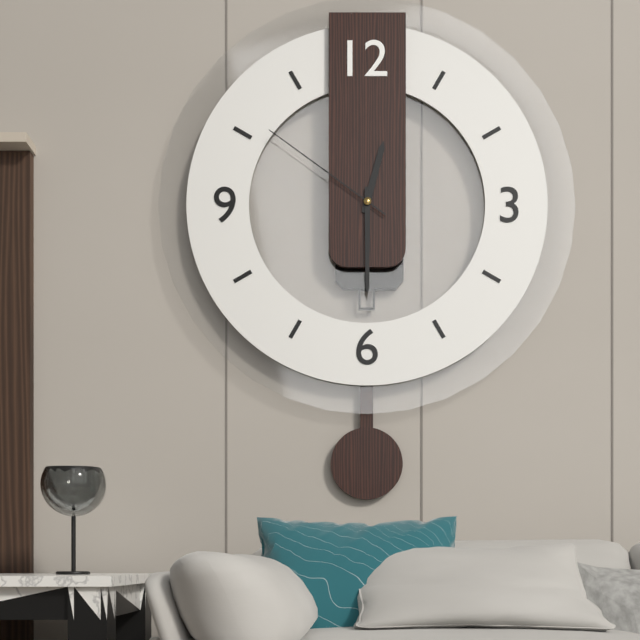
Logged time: 12 h 30 min 51 s
